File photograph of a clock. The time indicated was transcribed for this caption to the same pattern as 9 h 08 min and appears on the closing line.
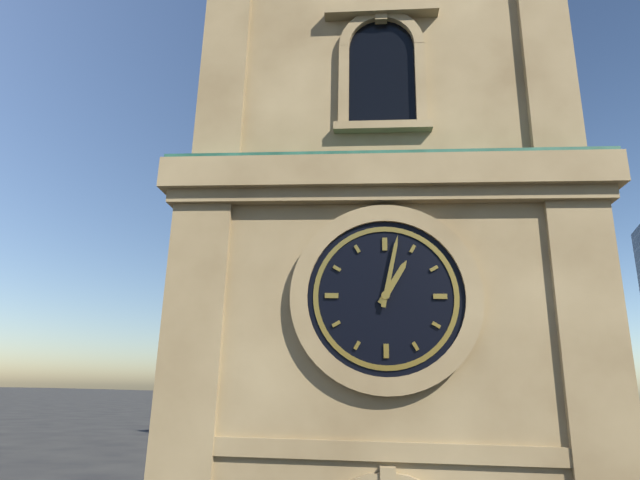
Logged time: 1 h 02 min
